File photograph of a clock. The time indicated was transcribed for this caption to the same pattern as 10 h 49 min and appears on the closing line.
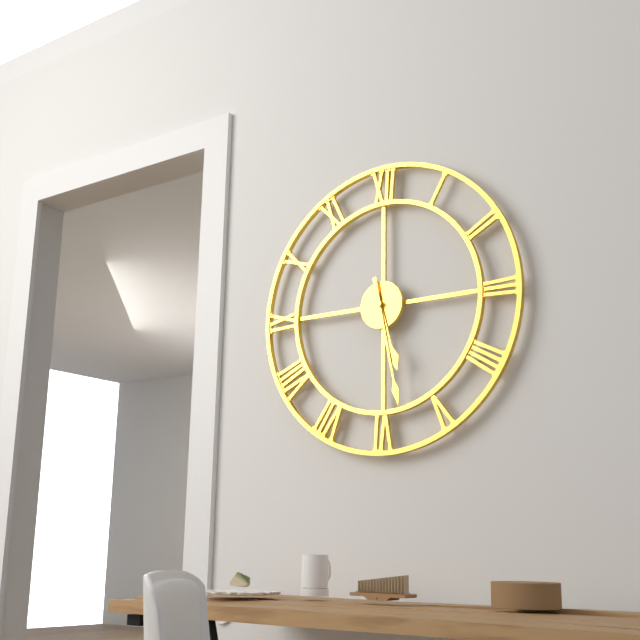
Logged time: 5 h 28 min
